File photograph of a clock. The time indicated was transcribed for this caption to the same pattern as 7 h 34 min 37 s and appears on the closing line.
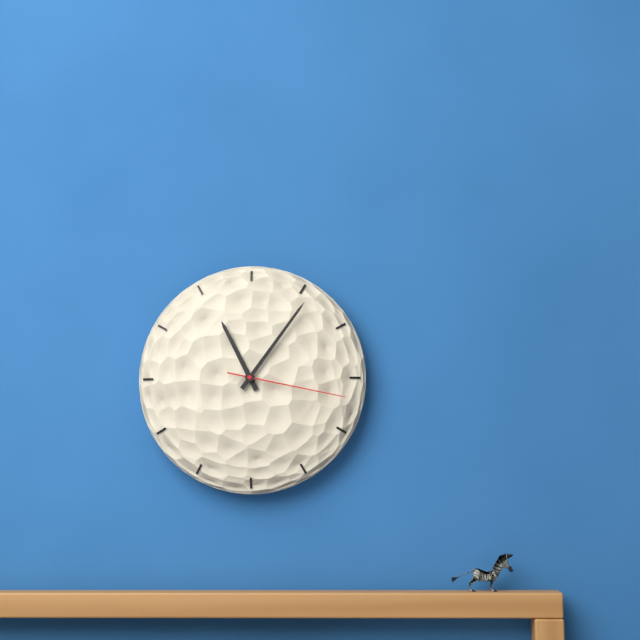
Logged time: 11 h 06 min 17 s
